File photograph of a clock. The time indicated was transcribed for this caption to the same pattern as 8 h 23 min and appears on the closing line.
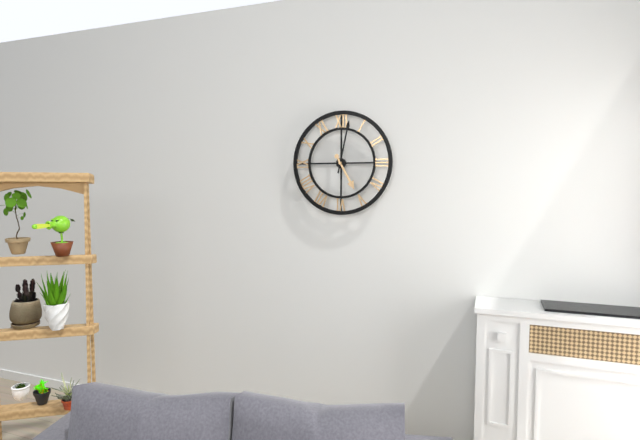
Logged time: 5 h 02 min
